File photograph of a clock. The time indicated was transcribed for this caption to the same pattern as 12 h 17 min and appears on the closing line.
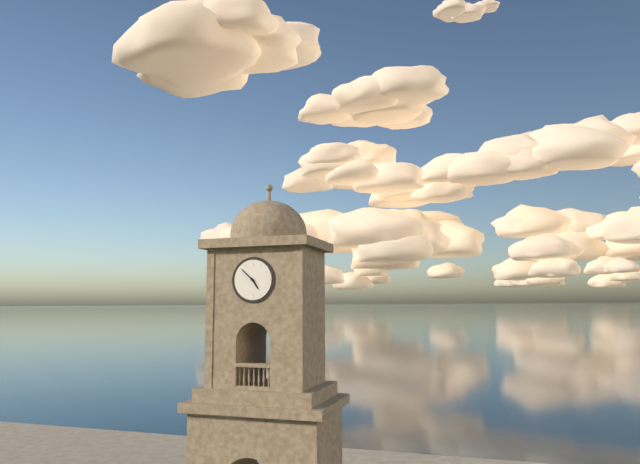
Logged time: 4 h 52 min
